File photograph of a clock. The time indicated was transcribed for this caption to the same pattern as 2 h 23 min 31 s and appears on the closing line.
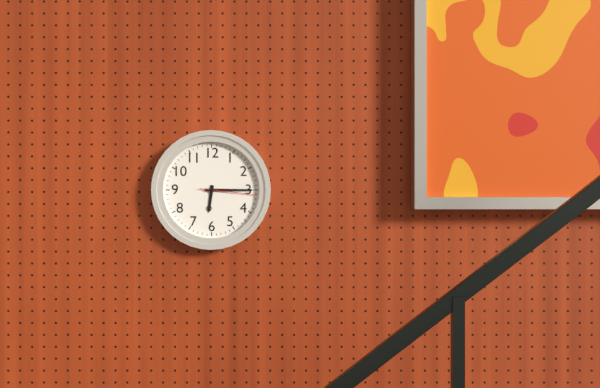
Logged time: 6 h 15 min 16 s
